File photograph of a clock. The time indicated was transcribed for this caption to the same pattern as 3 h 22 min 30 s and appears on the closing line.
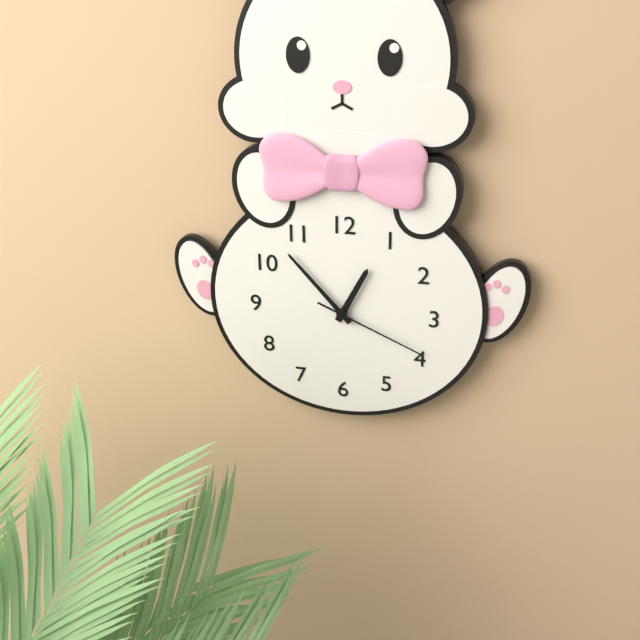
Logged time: 12 h 53 min 19 s
